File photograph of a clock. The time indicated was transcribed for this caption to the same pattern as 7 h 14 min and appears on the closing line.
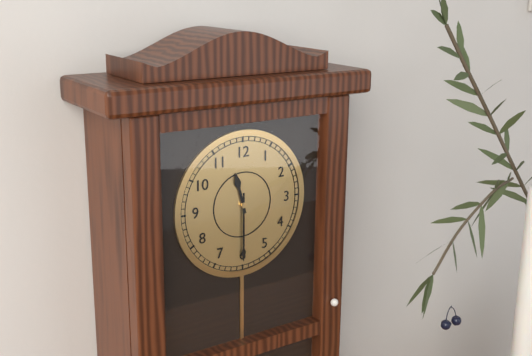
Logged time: 11 h 30 min
